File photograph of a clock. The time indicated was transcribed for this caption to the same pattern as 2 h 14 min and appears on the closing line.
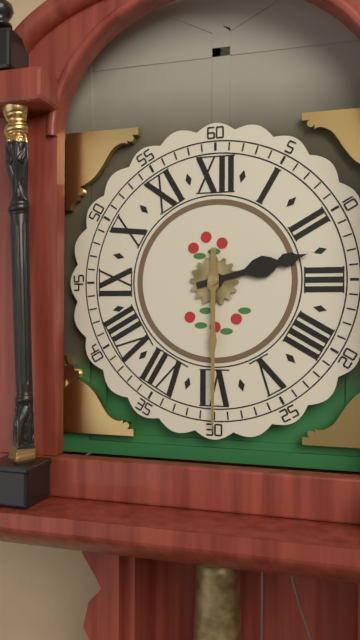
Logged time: 2 h 30 min
